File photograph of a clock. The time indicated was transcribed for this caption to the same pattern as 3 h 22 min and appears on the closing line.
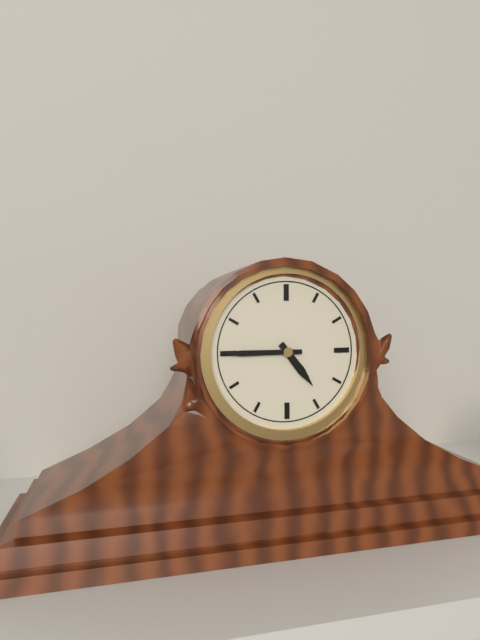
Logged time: 4 h 45 min
